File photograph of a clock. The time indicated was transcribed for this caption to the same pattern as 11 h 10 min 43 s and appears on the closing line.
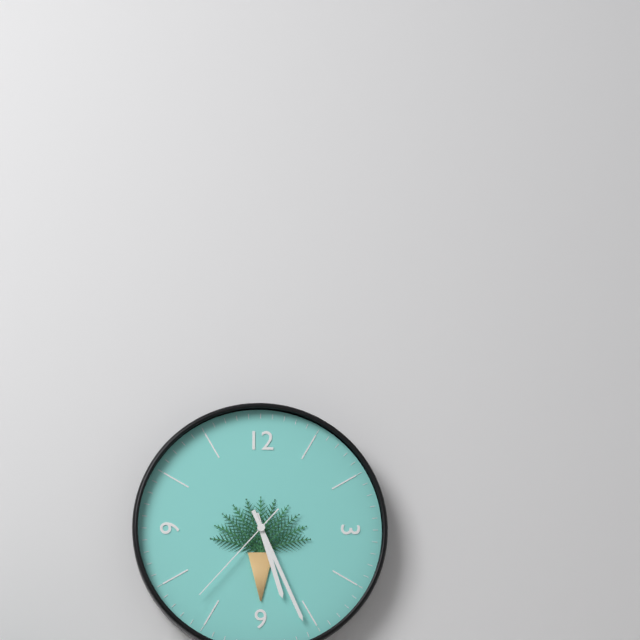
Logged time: 5 h 26 min 37 s
